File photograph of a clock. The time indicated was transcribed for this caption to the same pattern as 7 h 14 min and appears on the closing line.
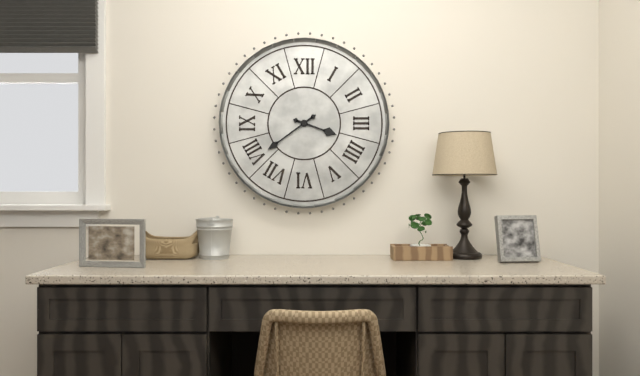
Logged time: 3 h 39 min
